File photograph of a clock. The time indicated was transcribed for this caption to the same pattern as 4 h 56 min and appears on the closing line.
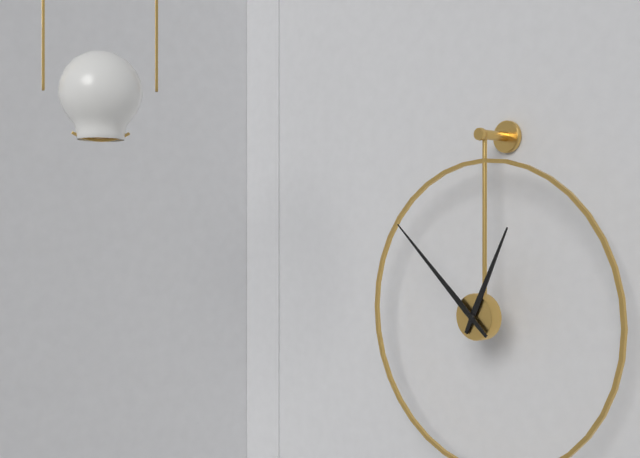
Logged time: 12 h 52 min
